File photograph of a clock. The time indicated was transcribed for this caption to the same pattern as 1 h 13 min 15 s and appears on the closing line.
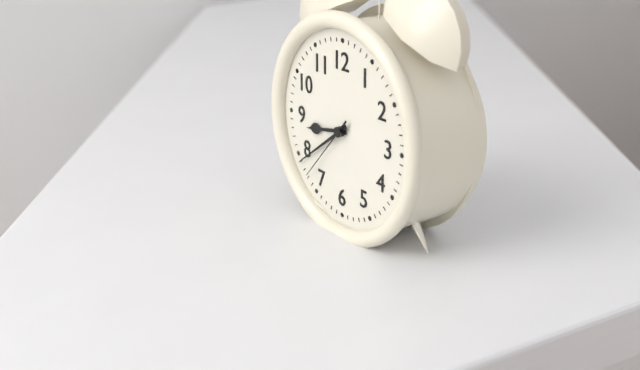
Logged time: 8 h 39 min 37 s
